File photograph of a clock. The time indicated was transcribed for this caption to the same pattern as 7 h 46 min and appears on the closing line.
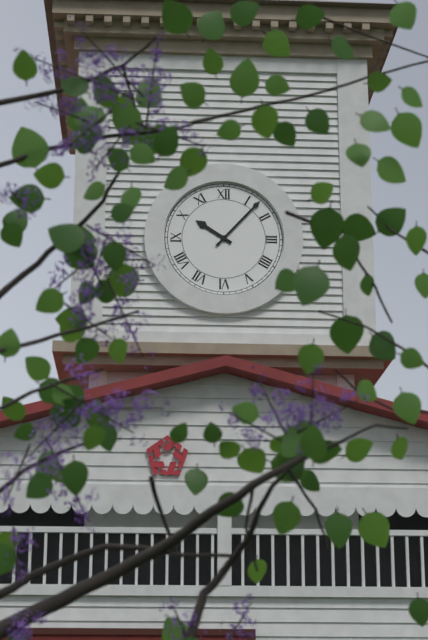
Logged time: 10 h 07 min
